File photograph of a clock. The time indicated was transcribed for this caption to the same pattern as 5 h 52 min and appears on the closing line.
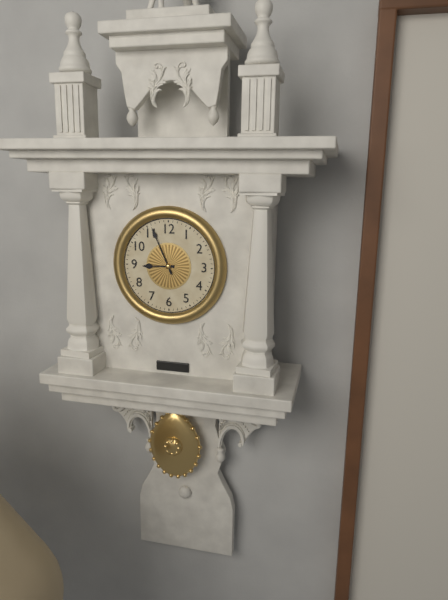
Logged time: 8 h 56 min
